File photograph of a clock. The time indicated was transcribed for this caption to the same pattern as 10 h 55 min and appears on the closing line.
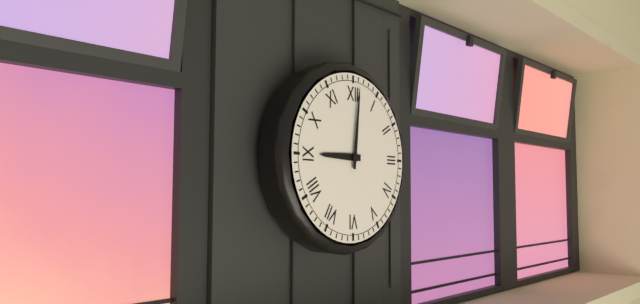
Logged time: 9 h 01 min
